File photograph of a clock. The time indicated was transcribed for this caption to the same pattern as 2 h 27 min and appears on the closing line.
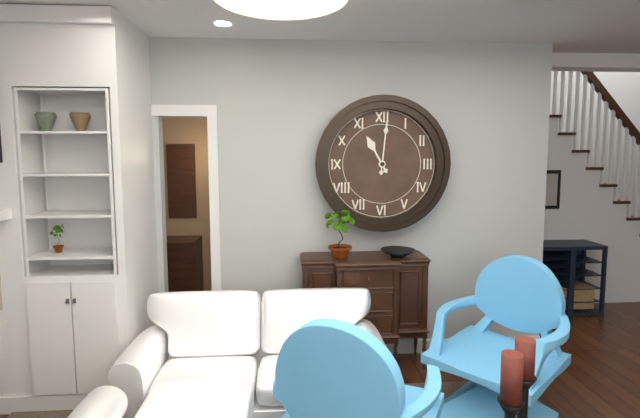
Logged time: 11 h 01 min
